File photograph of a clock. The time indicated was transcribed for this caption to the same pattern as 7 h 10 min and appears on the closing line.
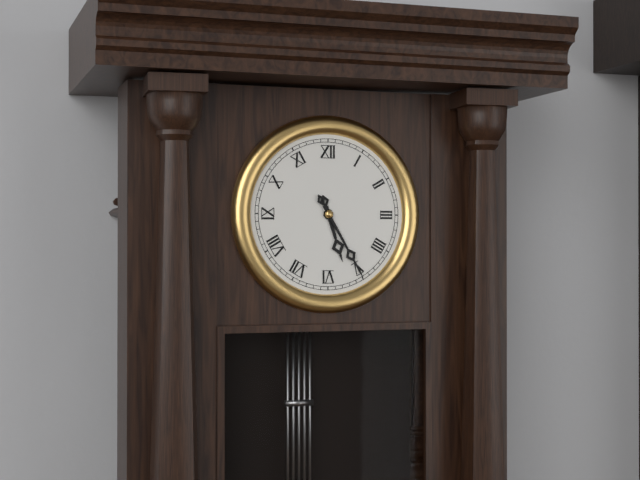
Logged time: 5 h 25 min
